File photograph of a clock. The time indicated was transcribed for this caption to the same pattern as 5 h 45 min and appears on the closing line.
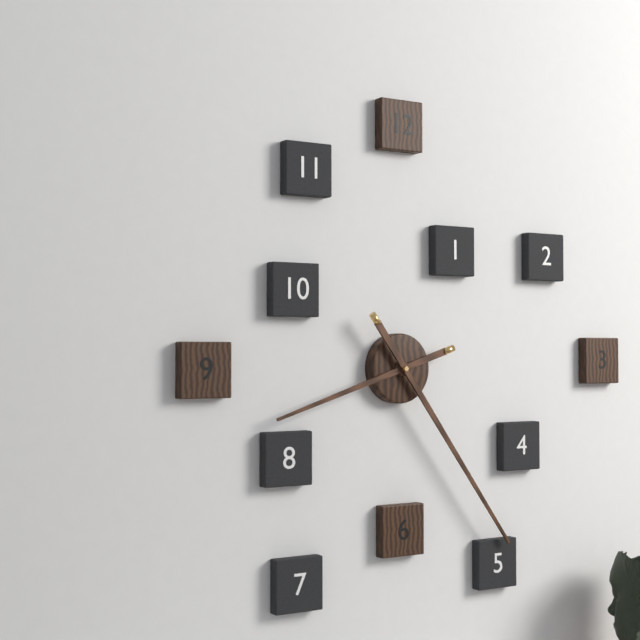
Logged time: 8 h 24 min
